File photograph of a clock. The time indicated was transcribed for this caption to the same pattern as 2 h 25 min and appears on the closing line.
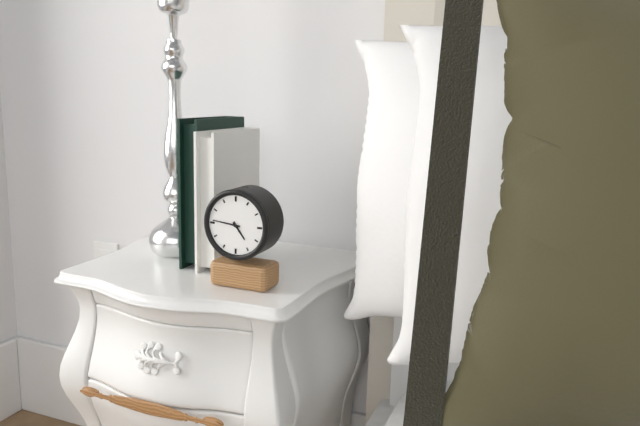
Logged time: 4 h 46 min
